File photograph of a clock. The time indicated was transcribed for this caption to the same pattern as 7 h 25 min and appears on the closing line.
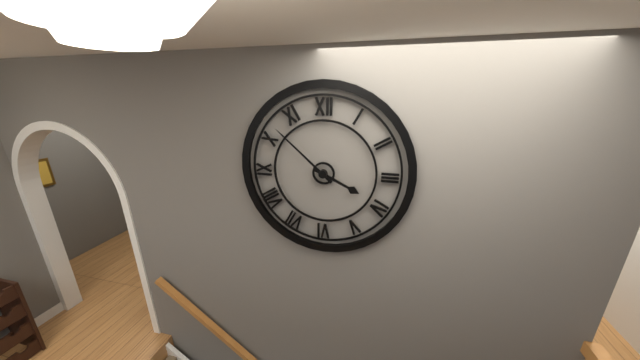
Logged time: 3 h 52 min
